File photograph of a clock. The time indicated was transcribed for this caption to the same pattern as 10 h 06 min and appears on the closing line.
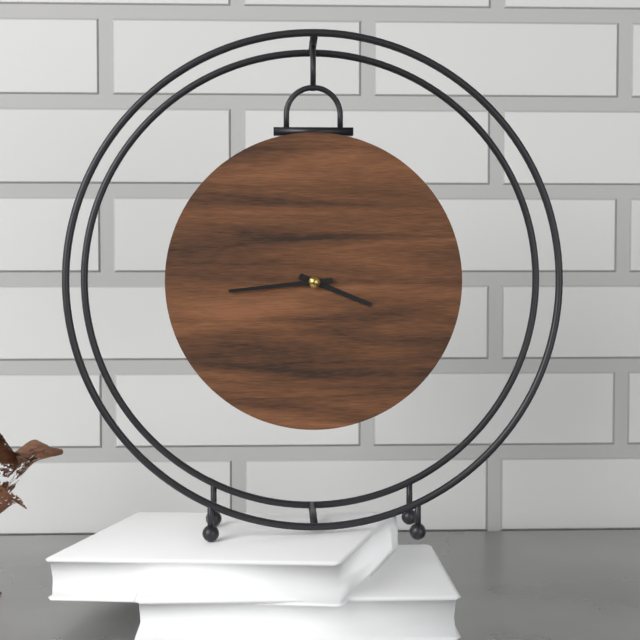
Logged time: 3 h 44 min
